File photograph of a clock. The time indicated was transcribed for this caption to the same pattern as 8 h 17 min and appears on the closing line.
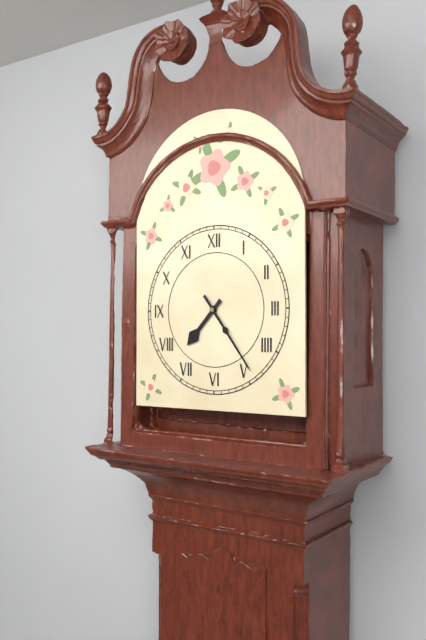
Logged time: 7 h 24 min
